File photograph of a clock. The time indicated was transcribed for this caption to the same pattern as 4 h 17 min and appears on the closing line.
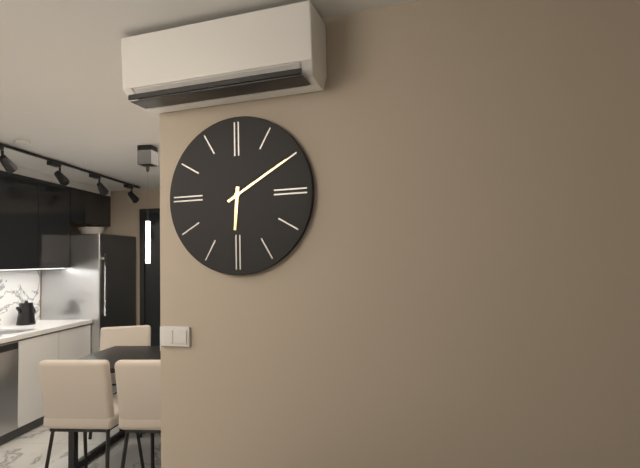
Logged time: 6 h 10 min
